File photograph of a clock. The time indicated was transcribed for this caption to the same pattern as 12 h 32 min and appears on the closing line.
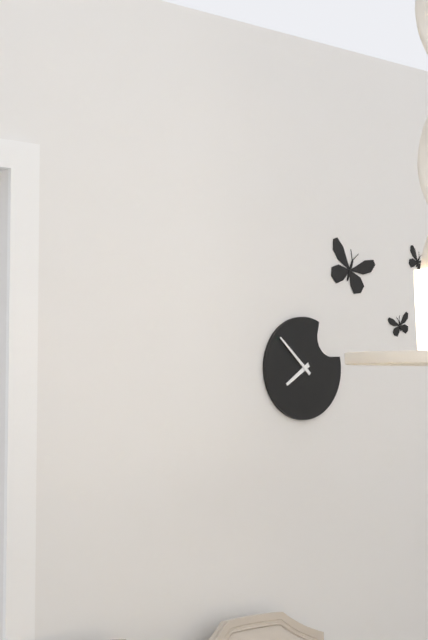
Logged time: 7 h 52 min
